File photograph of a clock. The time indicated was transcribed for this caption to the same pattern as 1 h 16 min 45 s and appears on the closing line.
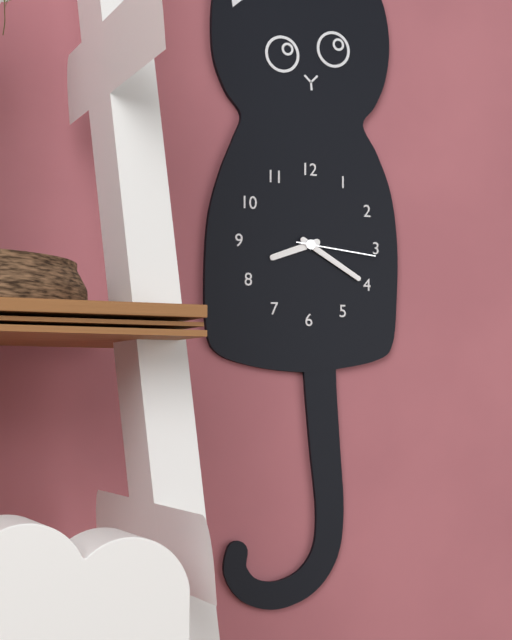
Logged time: 8 h 20 min 16 s
